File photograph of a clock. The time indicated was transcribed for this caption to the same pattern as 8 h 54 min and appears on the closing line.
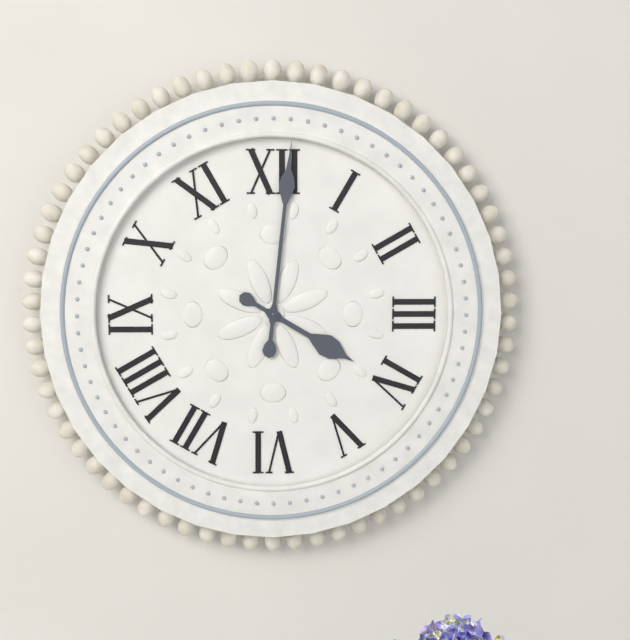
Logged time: 4 h 01 min
